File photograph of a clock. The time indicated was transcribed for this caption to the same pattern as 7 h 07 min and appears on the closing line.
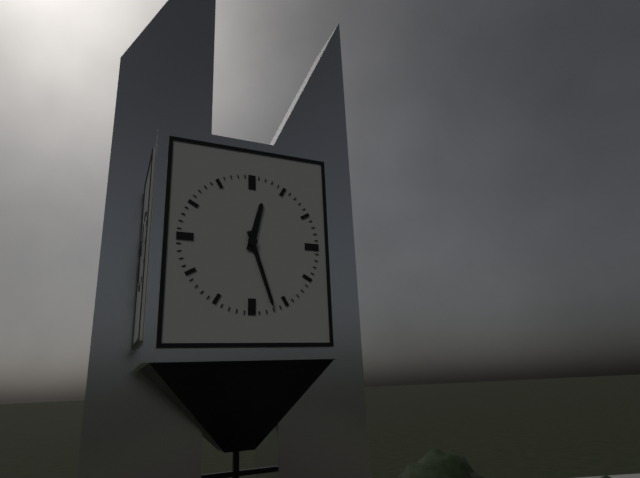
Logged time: 12 h 27 min
